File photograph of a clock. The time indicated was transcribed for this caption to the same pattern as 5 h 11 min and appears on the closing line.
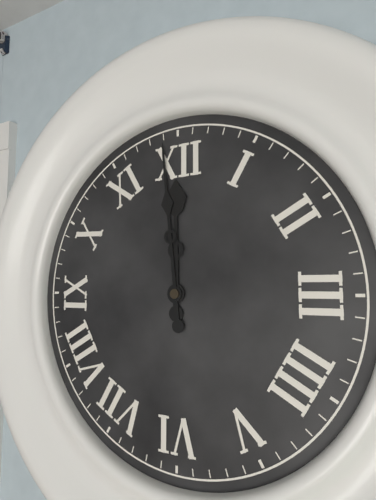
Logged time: 11 h 59 min
